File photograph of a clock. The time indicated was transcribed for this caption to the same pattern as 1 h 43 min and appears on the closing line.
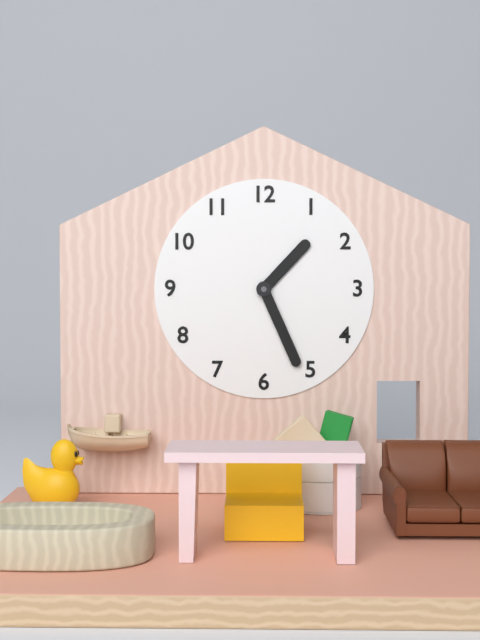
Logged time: 1 h 26 min
